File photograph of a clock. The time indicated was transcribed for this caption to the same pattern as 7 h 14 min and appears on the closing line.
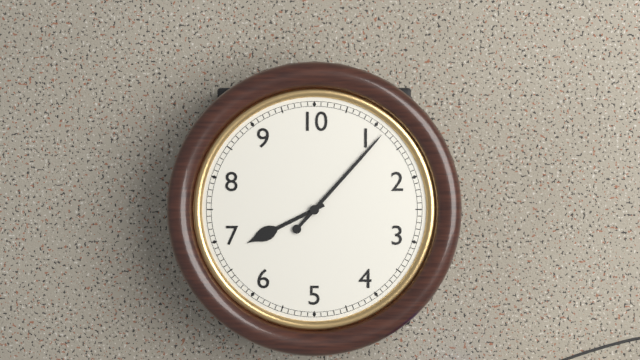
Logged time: 8 h 07 min
